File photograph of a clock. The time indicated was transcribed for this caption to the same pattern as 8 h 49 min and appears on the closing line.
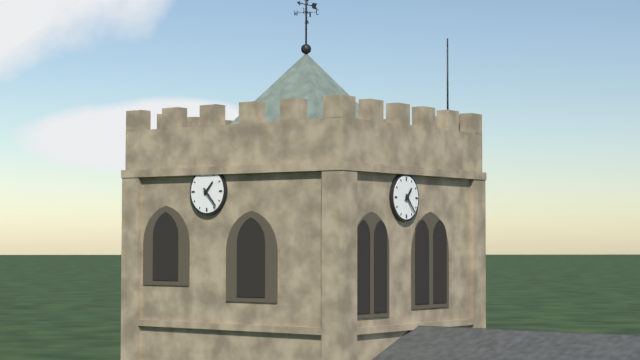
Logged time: 1 h 23 min
